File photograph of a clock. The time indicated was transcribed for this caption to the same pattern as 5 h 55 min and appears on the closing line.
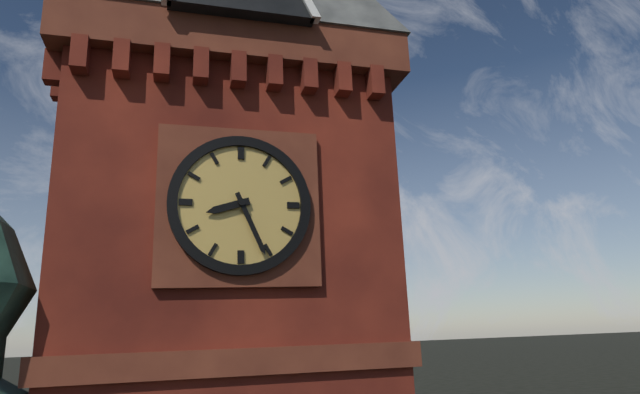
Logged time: 8 h 26 min
